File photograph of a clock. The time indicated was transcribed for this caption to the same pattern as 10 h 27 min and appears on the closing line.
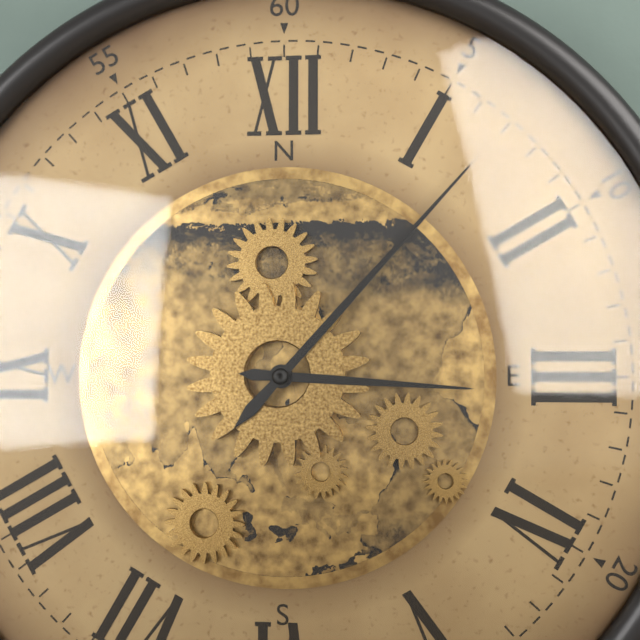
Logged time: 3 h 07 min
